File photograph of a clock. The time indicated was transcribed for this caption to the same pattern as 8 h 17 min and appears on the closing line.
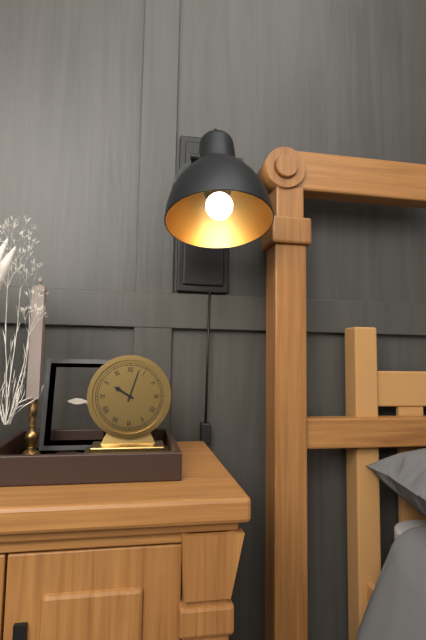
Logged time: 10 h 03 min
